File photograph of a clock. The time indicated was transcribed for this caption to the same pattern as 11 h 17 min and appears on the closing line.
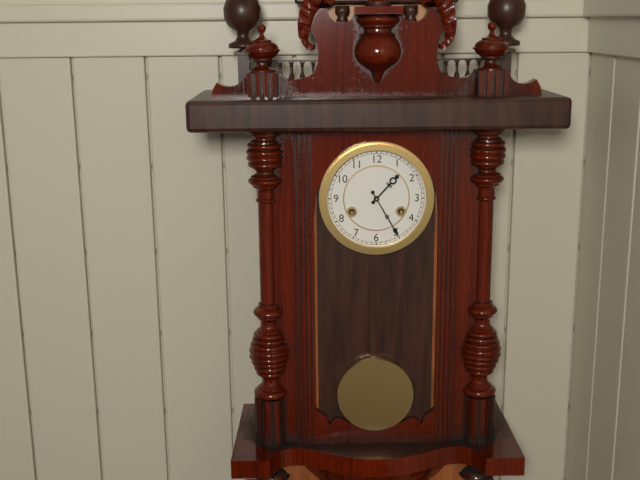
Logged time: 1 h 25 min
